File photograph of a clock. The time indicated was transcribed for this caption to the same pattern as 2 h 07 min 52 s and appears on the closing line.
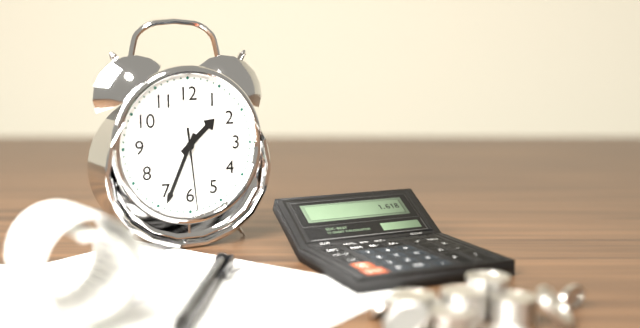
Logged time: 1 h 34 min 29 s
